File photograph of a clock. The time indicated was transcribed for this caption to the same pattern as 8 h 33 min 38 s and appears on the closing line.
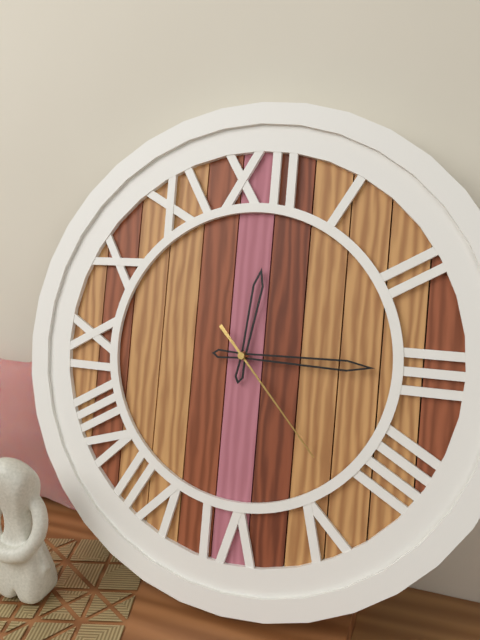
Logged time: 12 h 15 min 23 s
